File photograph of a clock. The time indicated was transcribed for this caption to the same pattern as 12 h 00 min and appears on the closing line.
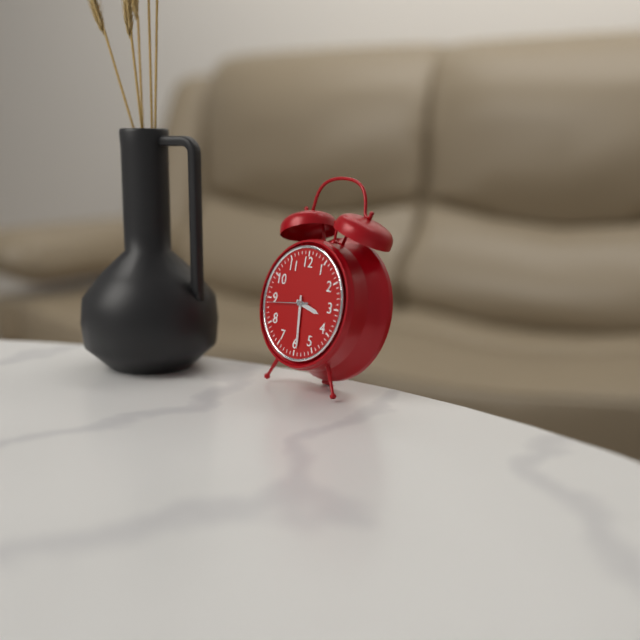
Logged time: 3 h 29 min
